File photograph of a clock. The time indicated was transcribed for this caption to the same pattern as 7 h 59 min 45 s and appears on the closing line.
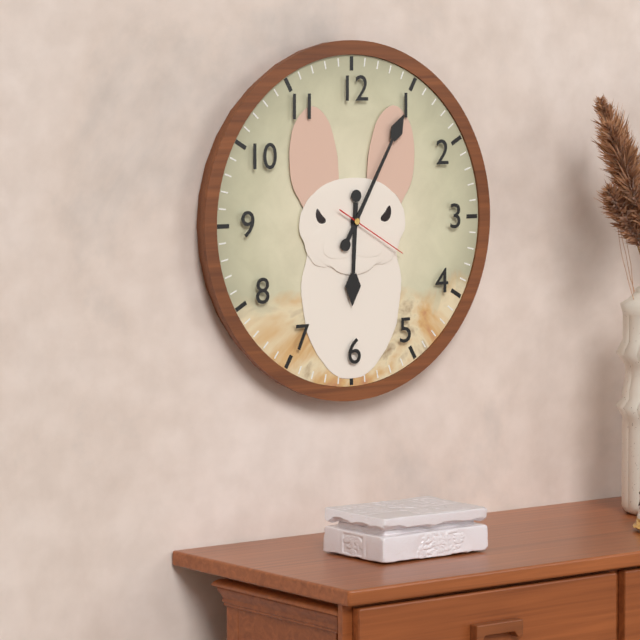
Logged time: 6 h 05 min 20 s
